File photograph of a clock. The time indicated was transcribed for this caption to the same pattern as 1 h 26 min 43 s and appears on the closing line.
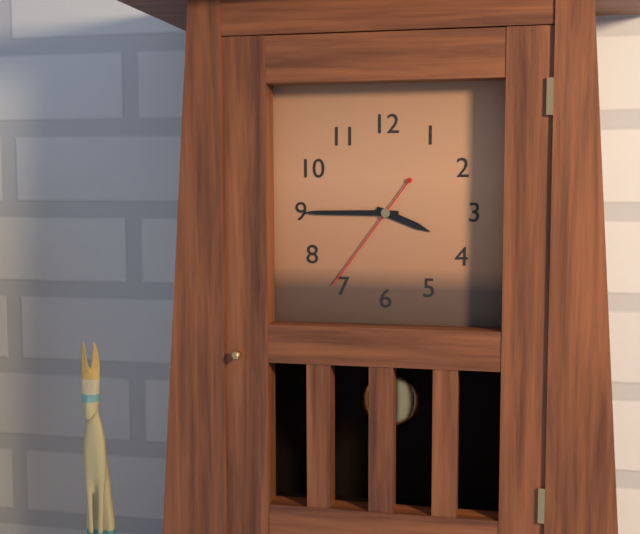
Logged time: 3 h 45 min 36 s
